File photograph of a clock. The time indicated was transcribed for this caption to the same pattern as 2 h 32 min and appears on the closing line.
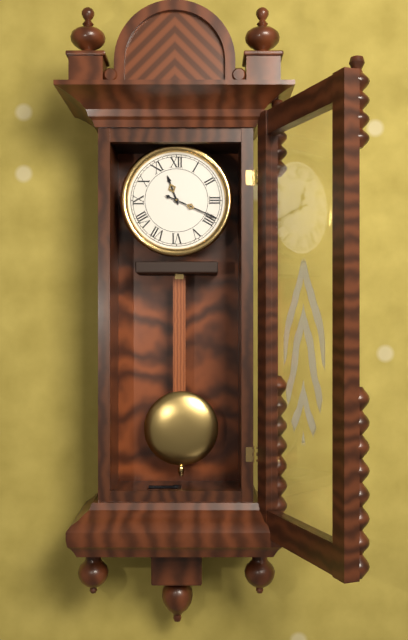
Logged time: 11 h 19 min
